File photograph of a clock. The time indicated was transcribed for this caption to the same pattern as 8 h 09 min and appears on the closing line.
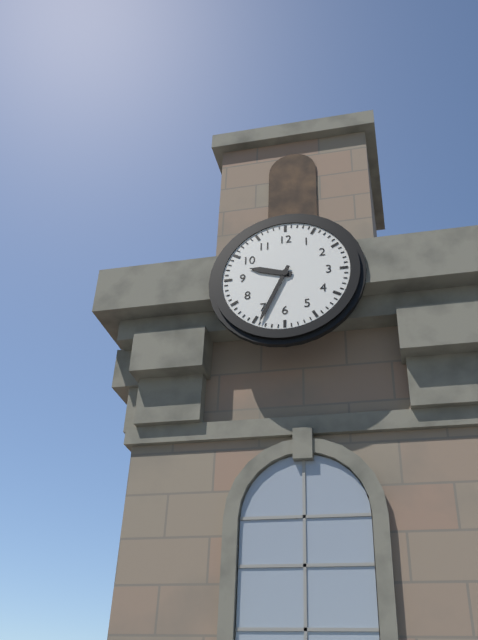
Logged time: 9 h 34 min
